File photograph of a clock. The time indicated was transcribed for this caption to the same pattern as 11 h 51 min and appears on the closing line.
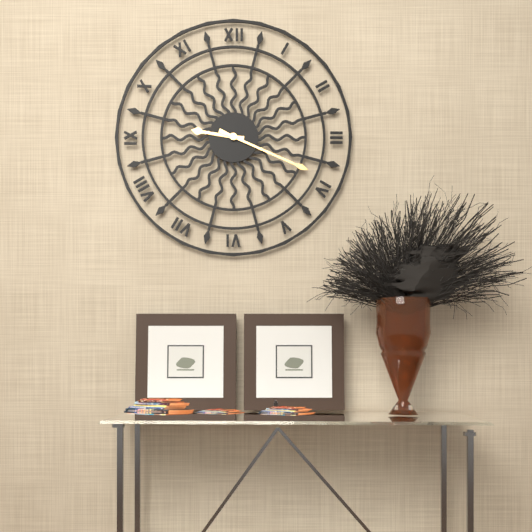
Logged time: 9 h 19 min
